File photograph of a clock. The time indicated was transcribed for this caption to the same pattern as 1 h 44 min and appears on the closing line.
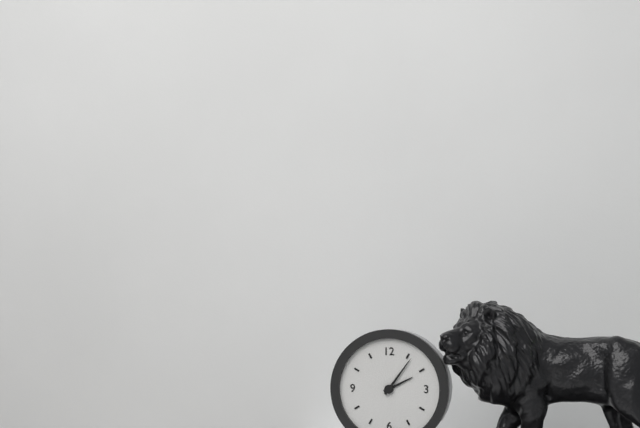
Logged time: 2 h 06 min
